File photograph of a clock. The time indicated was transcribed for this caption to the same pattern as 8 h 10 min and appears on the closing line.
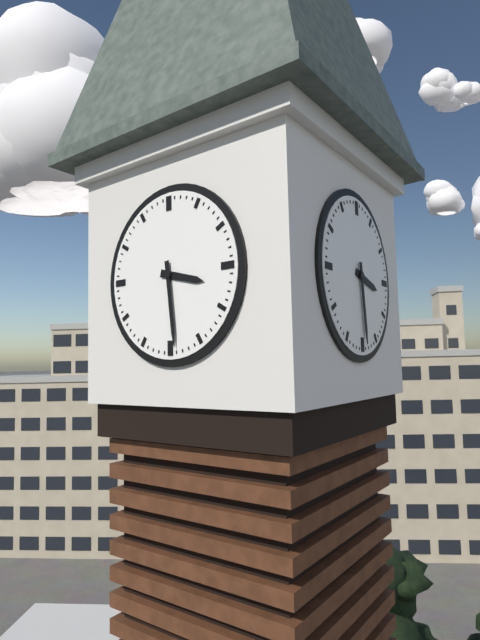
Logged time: 3 h 29 min
